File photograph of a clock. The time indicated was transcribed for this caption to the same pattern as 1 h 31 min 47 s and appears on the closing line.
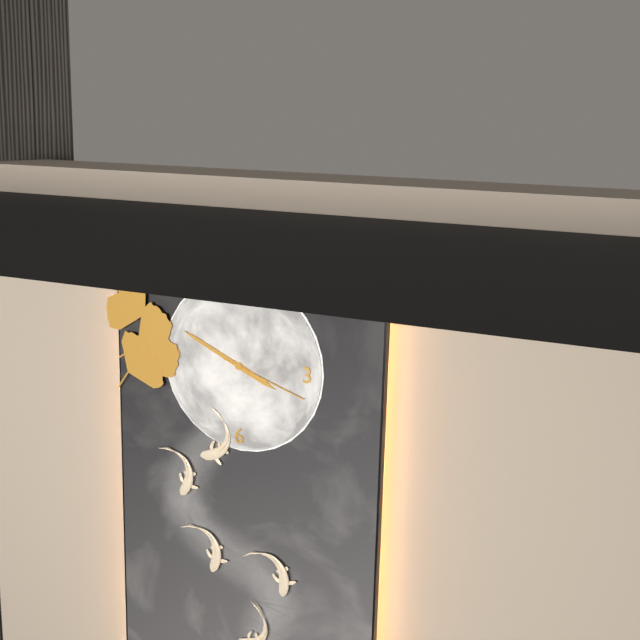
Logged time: 3 h 49 min 18 s
